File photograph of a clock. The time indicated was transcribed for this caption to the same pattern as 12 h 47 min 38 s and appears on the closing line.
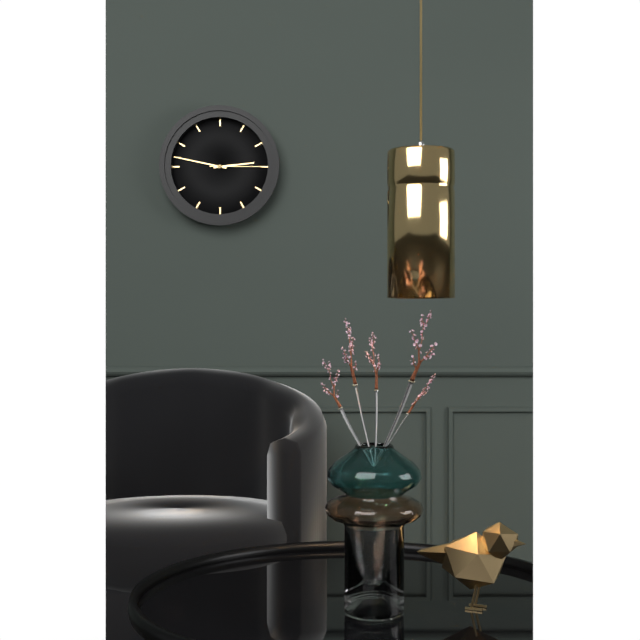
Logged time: 2 h 47 min 15 s
